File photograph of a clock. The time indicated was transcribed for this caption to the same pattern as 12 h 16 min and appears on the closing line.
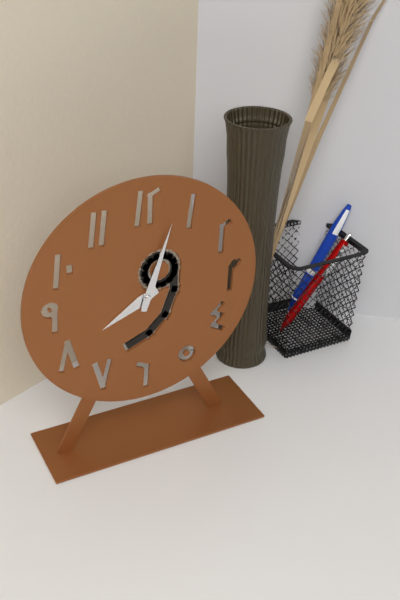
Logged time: 8 h 03 min
